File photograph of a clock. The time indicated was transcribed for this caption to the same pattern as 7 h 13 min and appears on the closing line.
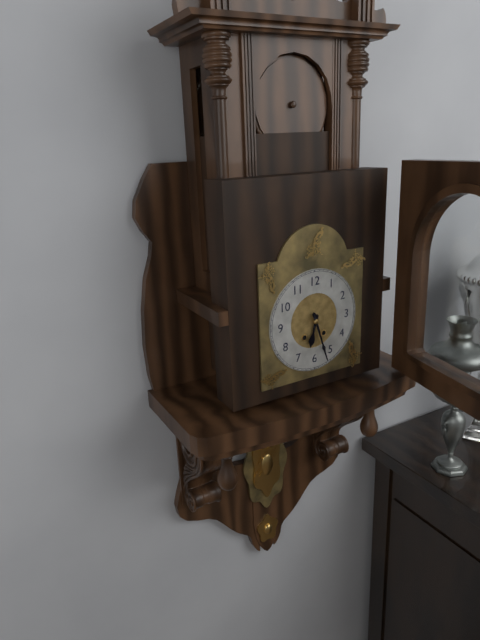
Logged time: 6 h 27 min
